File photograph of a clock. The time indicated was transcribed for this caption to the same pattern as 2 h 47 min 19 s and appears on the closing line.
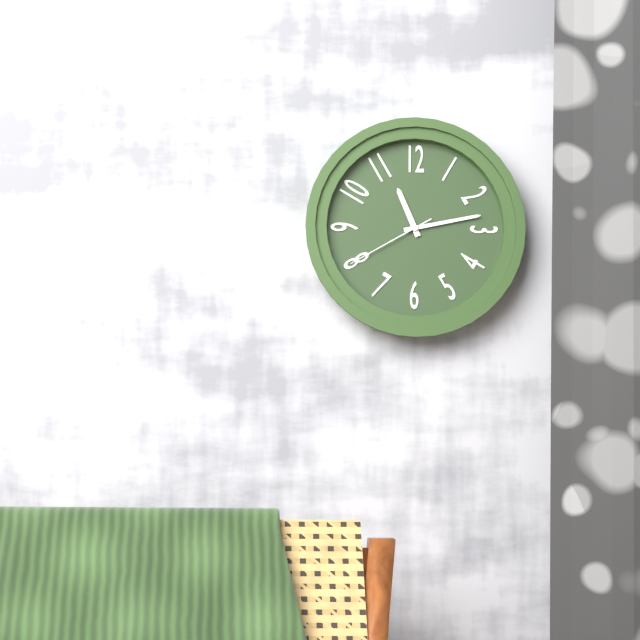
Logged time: 11 h 13 min 40 s
